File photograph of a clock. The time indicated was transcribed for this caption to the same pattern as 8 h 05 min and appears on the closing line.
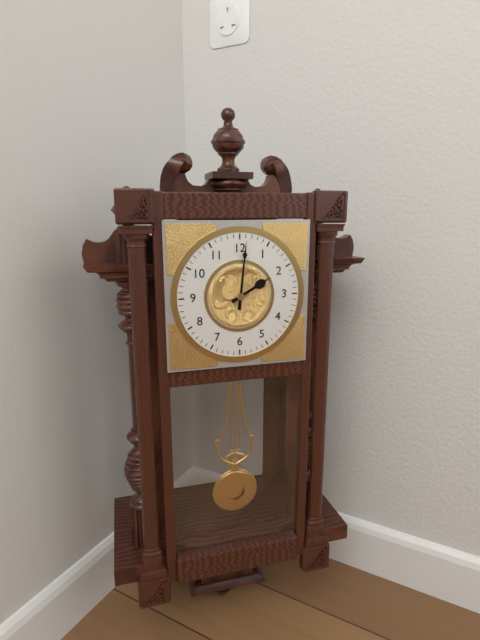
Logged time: 2 h 01 min
